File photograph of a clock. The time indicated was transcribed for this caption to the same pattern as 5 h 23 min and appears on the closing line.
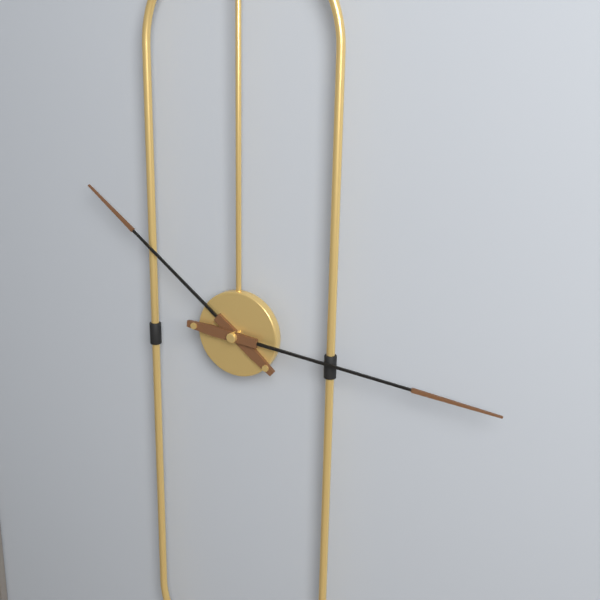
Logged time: 10 h 16 min
